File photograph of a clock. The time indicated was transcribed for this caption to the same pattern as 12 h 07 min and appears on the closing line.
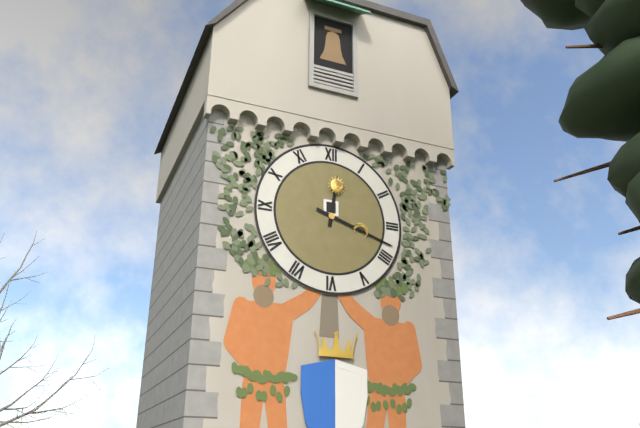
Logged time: 12 h 18 min
